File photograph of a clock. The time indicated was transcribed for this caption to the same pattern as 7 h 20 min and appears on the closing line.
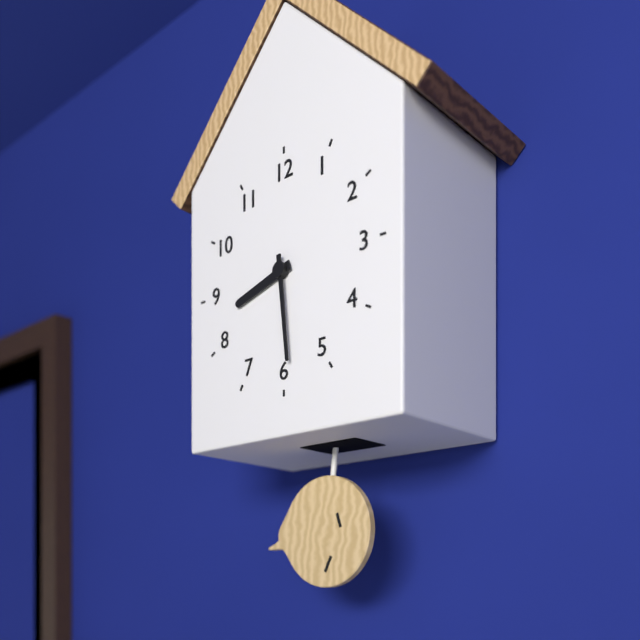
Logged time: 8 h 29 min
